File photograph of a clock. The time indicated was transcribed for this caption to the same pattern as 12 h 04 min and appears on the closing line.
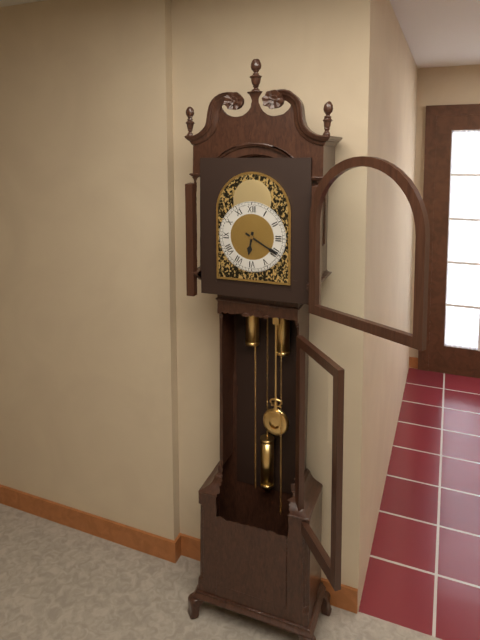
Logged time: 6 h 20 min
